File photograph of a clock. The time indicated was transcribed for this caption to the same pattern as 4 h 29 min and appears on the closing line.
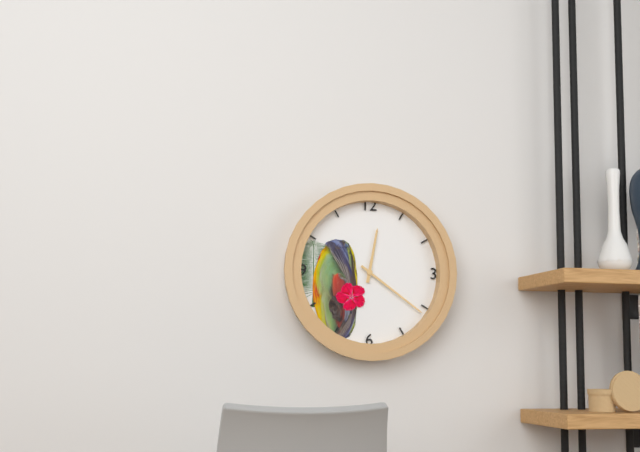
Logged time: 12 h 21 min
